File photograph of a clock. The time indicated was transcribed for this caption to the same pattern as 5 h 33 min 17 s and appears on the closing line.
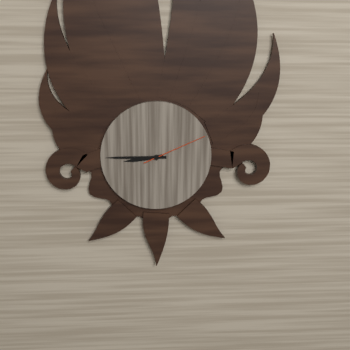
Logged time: 8 h 45 min 11 s
